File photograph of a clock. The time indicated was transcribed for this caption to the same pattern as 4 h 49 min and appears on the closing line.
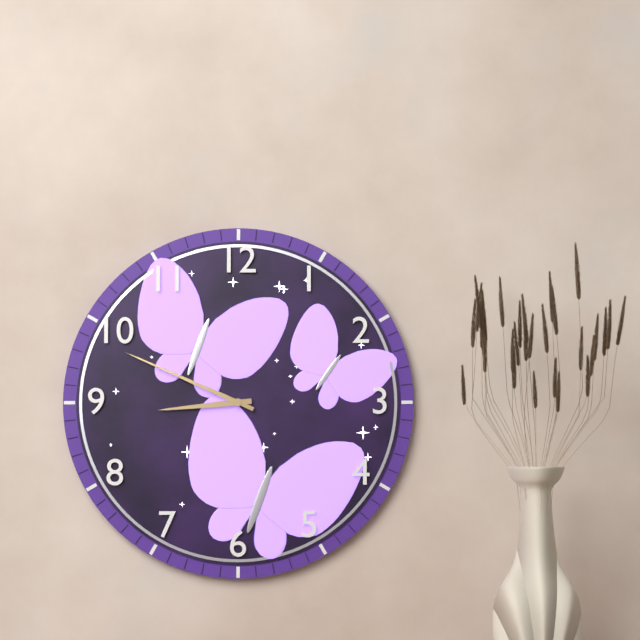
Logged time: 8 h 49 min
